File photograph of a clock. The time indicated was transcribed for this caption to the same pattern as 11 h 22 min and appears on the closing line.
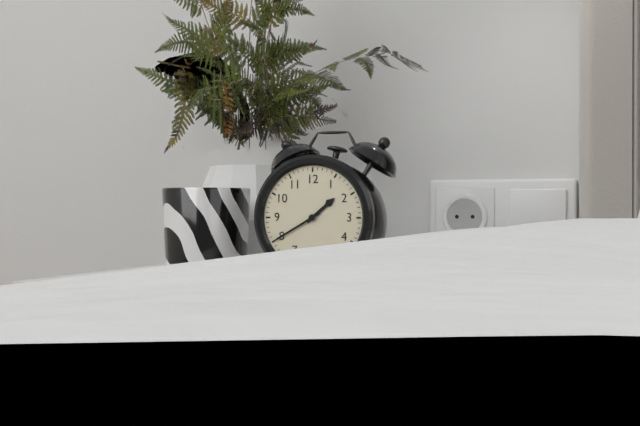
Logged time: 1 h 40 min
